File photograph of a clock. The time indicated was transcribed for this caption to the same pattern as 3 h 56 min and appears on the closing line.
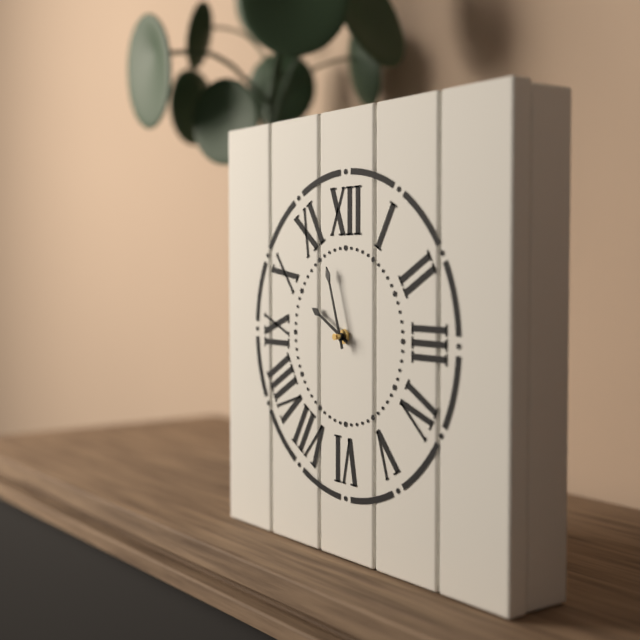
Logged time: 9 h 57 min
